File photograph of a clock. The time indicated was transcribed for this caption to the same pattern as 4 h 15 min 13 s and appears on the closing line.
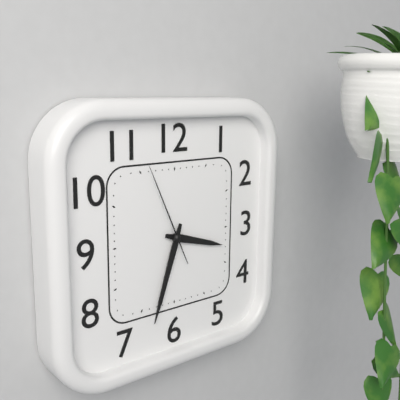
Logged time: 3 h 33 min 56 s
